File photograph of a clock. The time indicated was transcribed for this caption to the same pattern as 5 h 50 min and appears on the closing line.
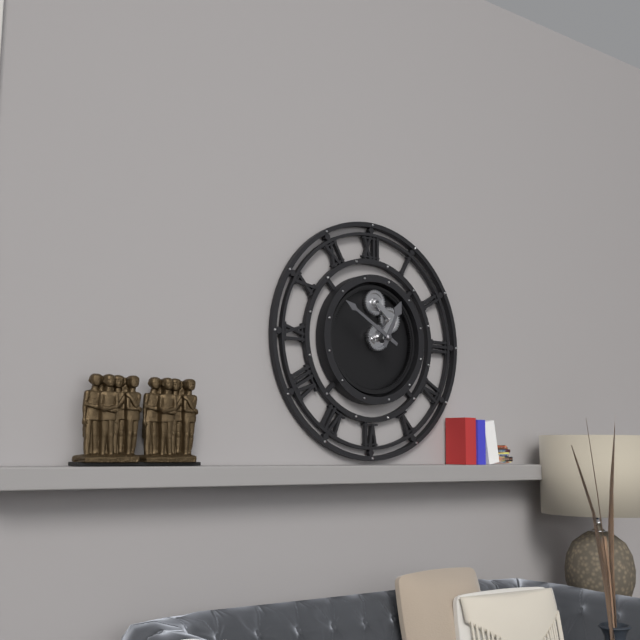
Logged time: 12 h 50 min
